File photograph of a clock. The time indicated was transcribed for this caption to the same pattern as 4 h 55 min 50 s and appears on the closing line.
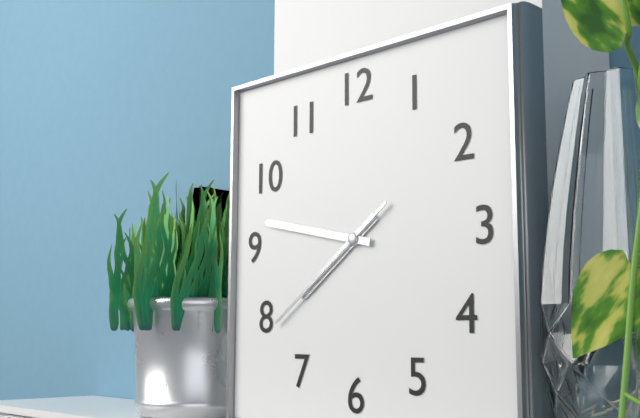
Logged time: 7 h 47 min 39 s
